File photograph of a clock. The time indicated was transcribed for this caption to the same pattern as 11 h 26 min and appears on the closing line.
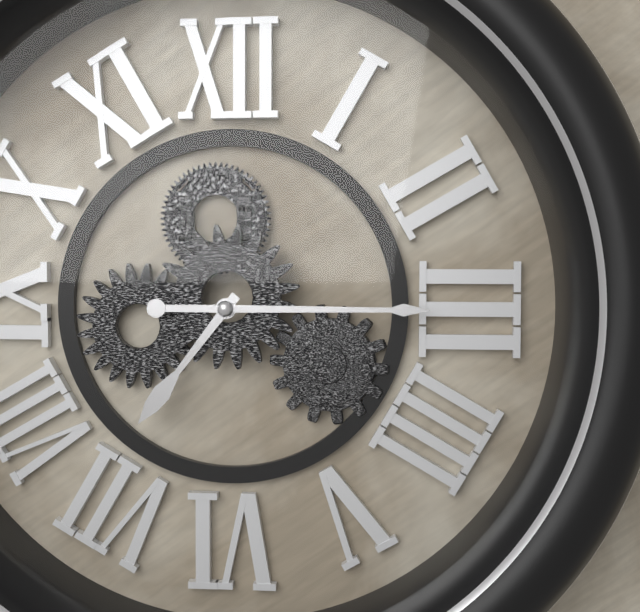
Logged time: 7 h 15 min
